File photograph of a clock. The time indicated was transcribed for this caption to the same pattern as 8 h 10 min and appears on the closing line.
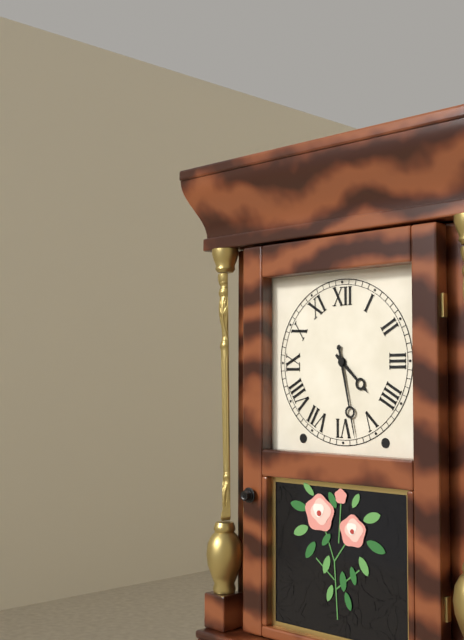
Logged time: 4 h 28 min
